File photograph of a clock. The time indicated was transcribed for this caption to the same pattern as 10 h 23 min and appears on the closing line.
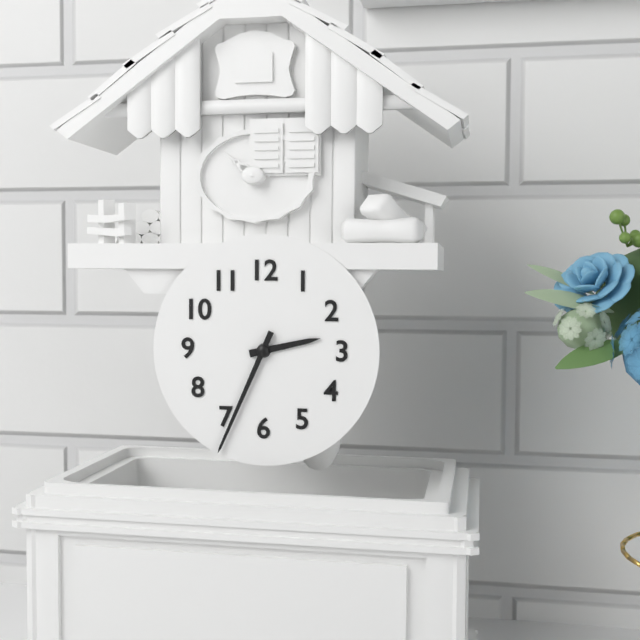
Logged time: 2 h 34 min
